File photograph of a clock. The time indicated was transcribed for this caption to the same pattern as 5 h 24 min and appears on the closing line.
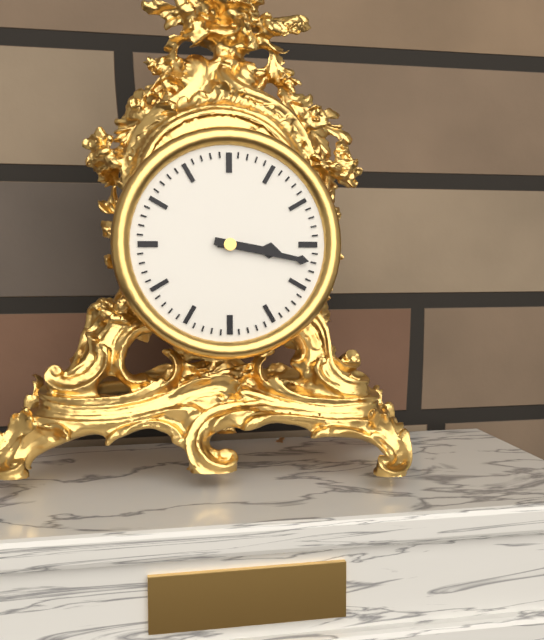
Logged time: 3 h 17 min
